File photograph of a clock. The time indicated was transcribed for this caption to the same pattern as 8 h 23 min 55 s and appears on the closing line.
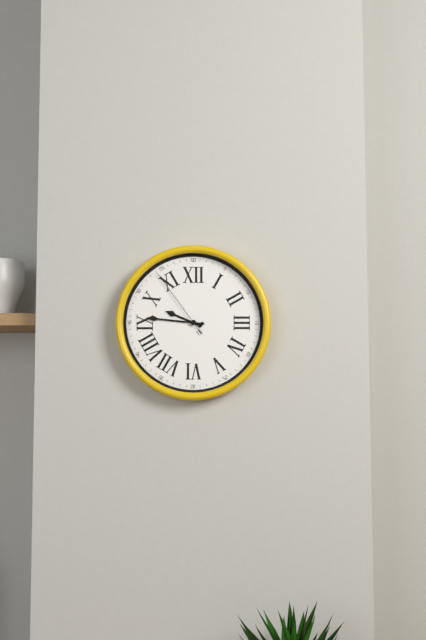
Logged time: 9 h 46 min 54 s
